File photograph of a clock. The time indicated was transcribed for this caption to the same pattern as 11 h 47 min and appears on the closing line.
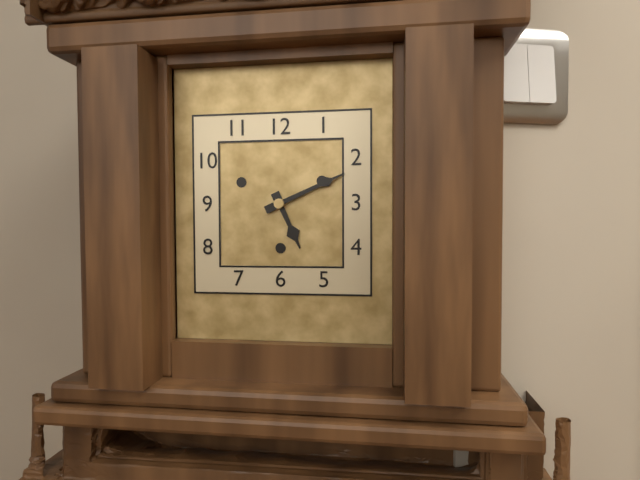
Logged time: 5 h 11 min
